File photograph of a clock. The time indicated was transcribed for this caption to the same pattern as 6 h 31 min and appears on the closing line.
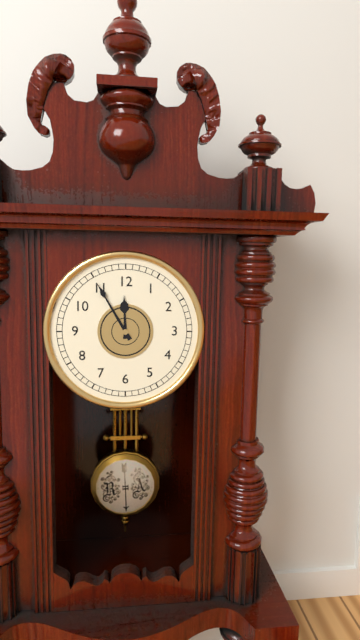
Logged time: 11 h 55 min
